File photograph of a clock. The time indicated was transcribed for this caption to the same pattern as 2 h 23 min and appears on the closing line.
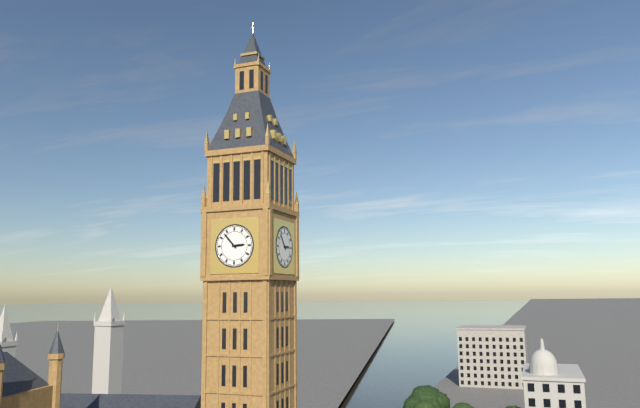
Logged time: 2 h 53 min
